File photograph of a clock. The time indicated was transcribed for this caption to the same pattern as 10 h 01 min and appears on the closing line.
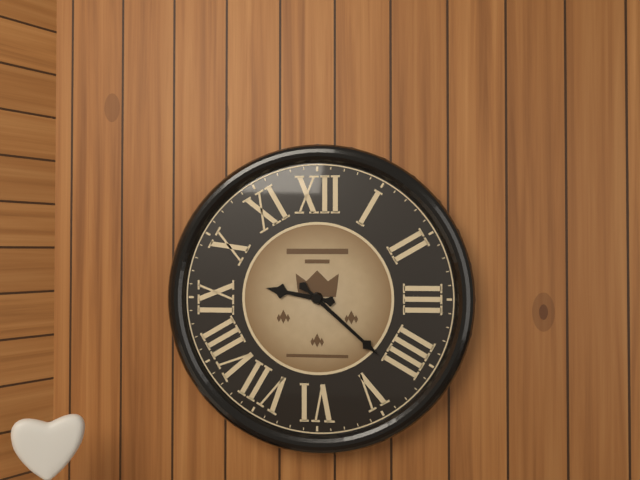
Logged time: 9 h 22 min
